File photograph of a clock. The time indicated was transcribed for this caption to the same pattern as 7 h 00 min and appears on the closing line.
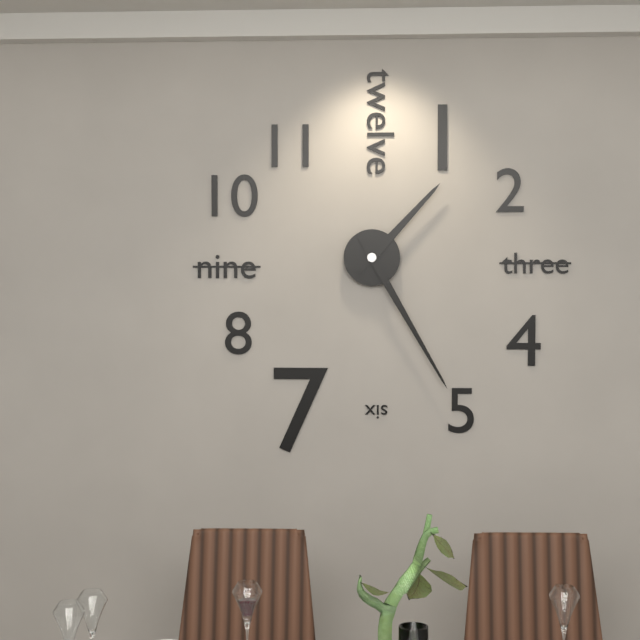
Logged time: 1 h 25 min
